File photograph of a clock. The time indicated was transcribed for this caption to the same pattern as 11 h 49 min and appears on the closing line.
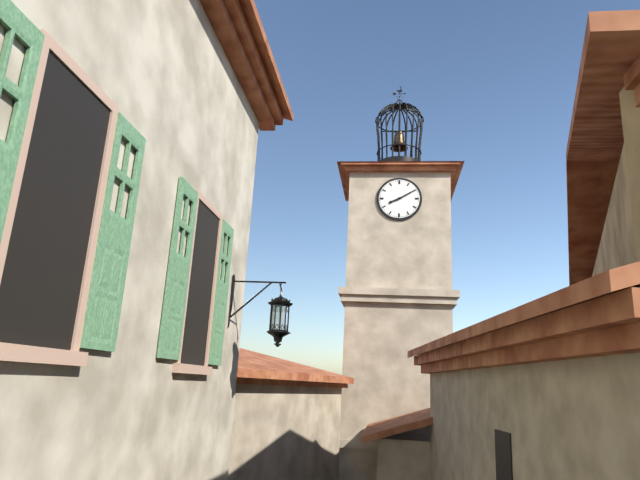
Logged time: 8 h 10 min
